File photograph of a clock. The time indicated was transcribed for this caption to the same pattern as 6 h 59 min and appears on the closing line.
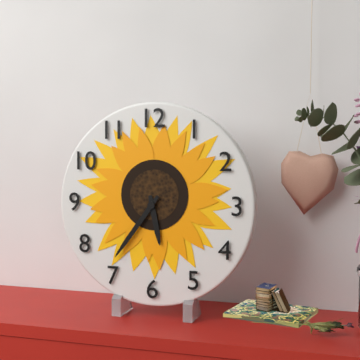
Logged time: 5 h 36 min
